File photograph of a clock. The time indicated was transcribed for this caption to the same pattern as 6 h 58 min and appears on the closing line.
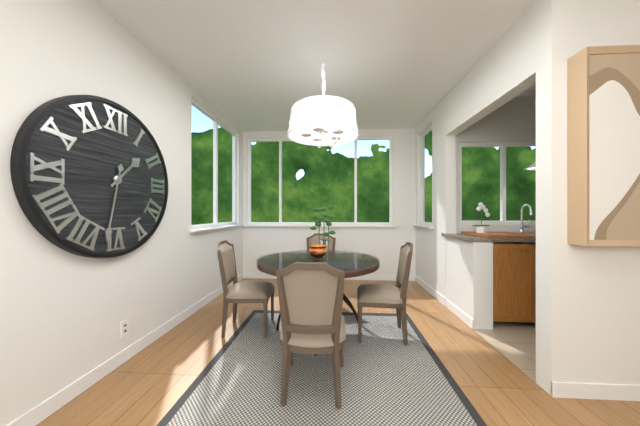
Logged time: 1 h 32 min
